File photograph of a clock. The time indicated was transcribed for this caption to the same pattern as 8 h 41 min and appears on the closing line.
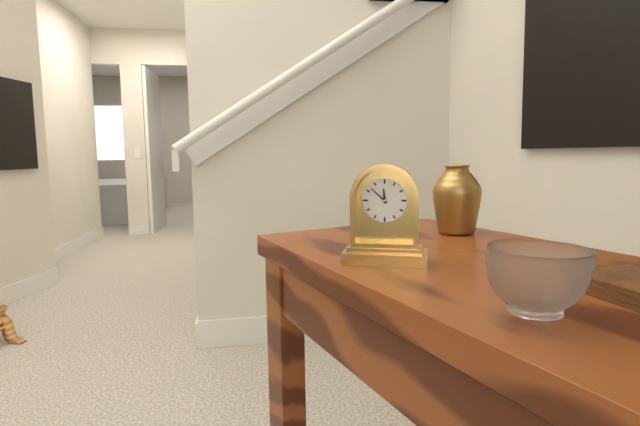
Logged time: 11 h 52 min
